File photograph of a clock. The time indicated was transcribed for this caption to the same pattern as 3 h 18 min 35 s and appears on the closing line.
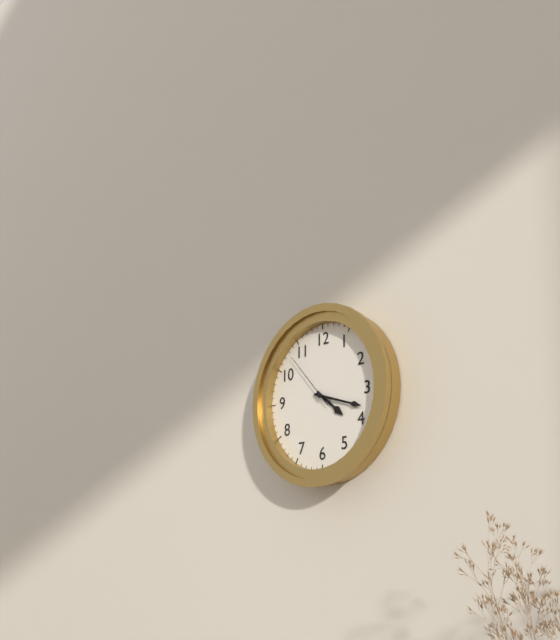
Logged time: 4 h 18 min 53 s
